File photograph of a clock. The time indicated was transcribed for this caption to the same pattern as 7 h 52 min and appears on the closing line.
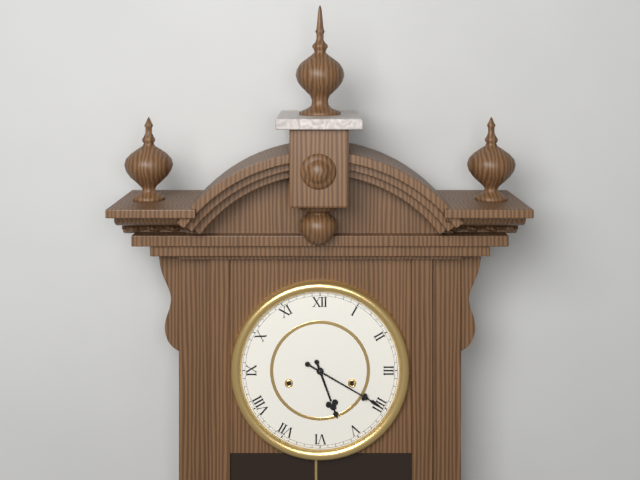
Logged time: 5 h 20 min
